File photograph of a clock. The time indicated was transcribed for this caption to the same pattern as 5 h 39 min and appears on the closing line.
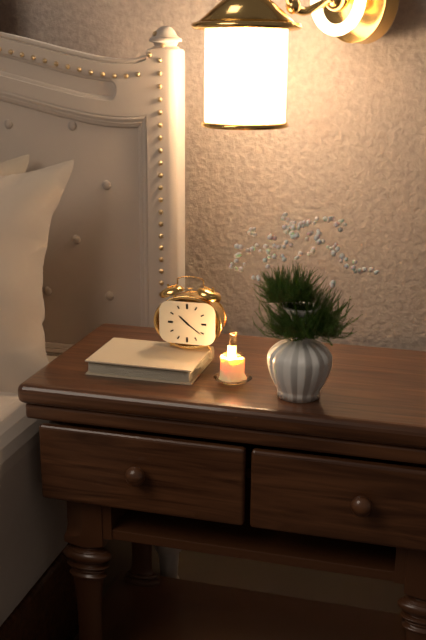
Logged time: 10 h 21 min
